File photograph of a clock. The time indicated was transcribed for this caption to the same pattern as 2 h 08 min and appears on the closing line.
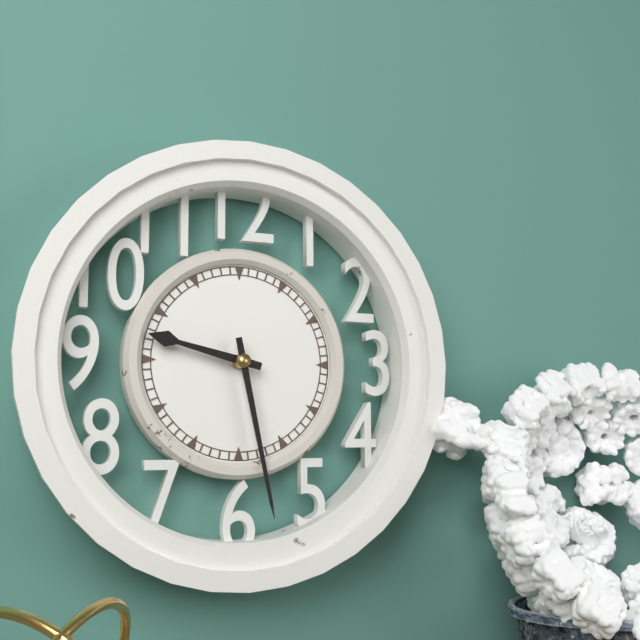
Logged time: 9 h 28 min
